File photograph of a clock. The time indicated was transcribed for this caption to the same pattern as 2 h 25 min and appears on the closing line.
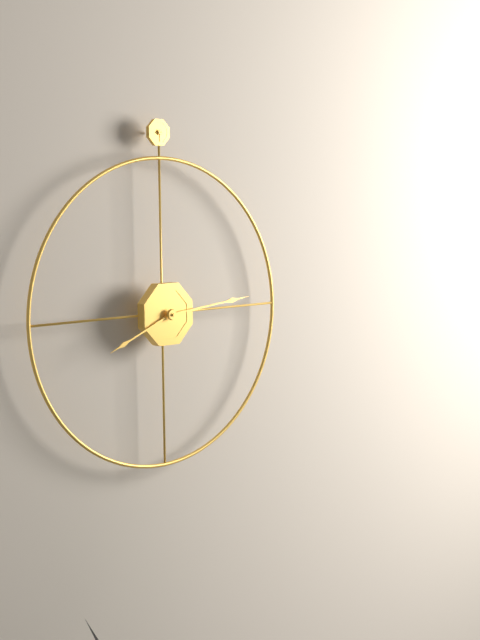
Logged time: 8 h 14 min
